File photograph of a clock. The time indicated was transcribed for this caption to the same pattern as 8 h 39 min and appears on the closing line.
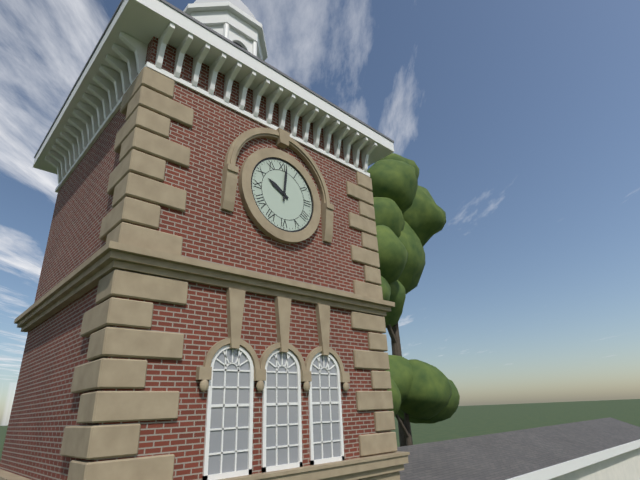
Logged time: 10 h 01 min
